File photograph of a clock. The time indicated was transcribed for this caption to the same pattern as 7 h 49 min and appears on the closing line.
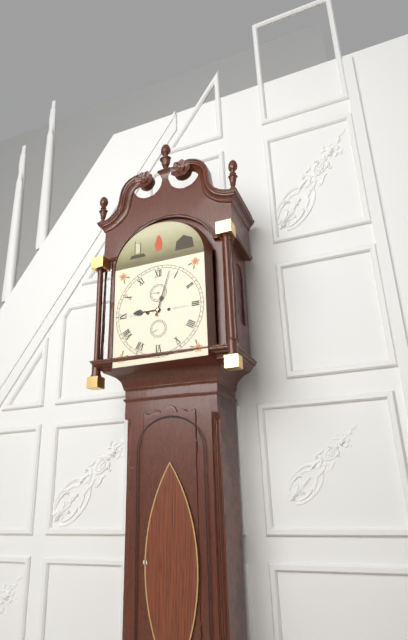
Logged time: 9 h 03 min
